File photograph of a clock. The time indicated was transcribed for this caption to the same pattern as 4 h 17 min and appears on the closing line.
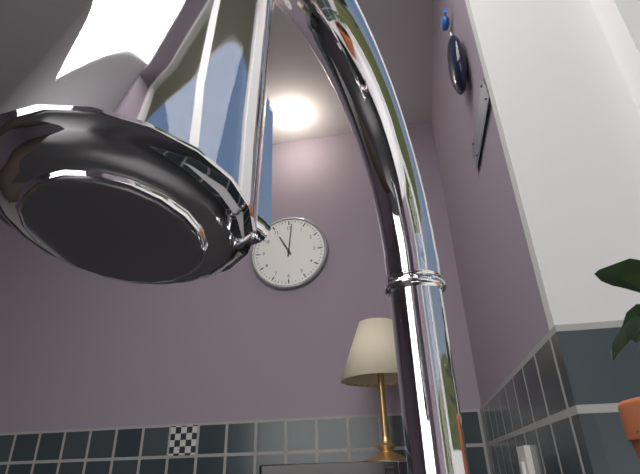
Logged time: 11 h 01 min
